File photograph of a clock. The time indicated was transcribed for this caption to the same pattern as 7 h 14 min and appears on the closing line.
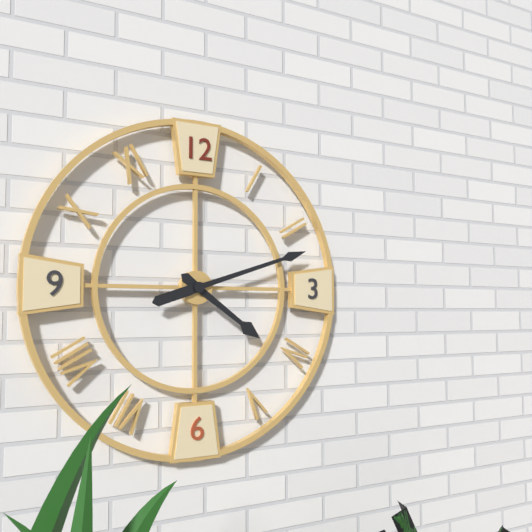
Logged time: 4 h 12 min
